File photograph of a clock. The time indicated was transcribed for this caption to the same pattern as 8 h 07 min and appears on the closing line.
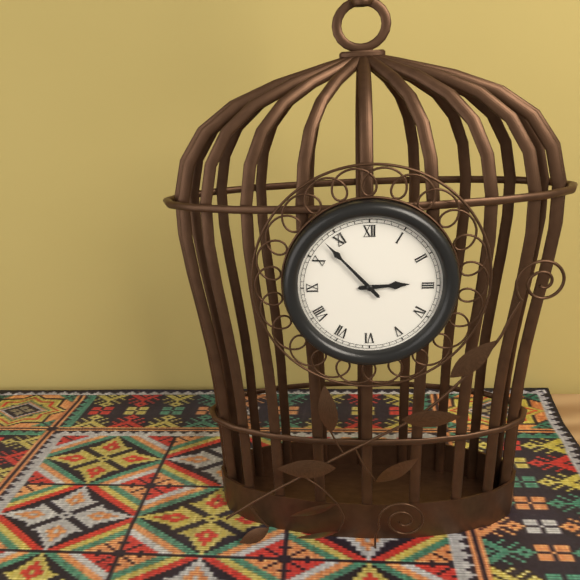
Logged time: 2 h 53 min
